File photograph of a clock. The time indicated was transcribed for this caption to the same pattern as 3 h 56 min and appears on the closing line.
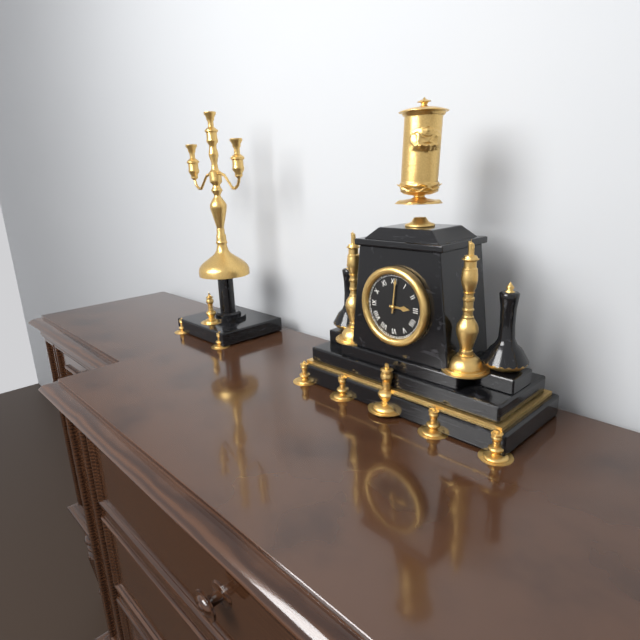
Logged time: 3 h 01 min
